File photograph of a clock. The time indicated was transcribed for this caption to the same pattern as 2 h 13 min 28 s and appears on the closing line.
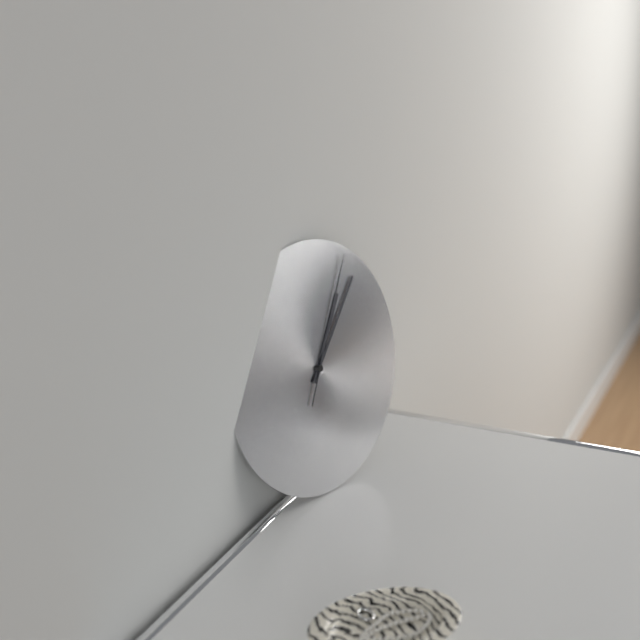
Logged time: 1 h 07 min 05 s
